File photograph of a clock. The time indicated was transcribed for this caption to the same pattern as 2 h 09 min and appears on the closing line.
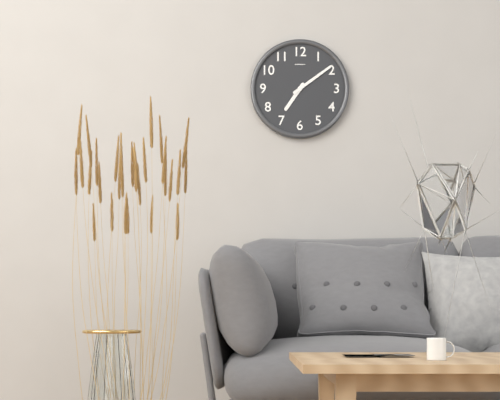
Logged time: 7 h 09 min
